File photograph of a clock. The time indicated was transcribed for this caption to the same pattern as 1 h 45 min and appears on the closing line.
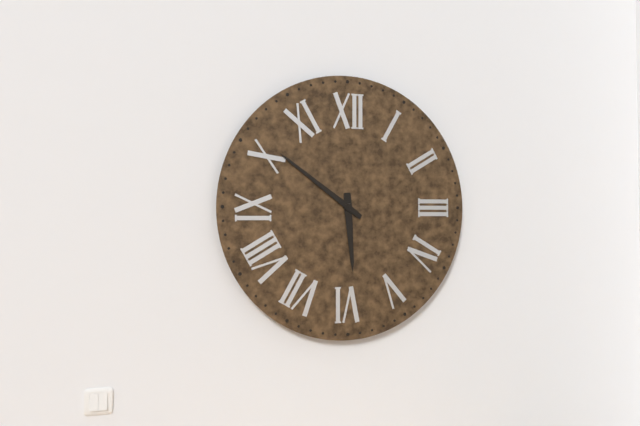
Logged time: 5 h 51 min
